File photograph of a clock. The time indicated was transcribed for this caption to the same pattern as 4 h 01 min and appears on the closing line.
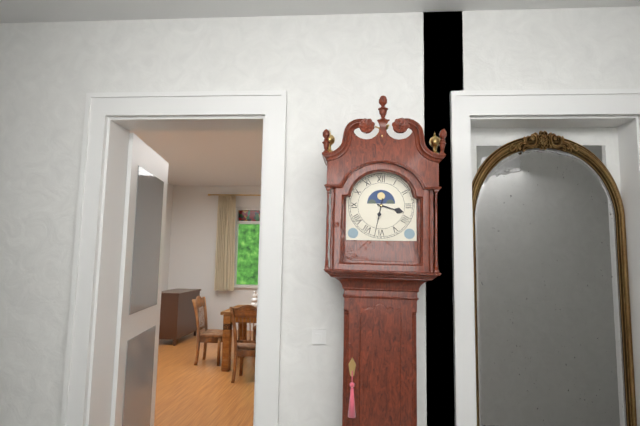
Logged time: 3 h 32 min
